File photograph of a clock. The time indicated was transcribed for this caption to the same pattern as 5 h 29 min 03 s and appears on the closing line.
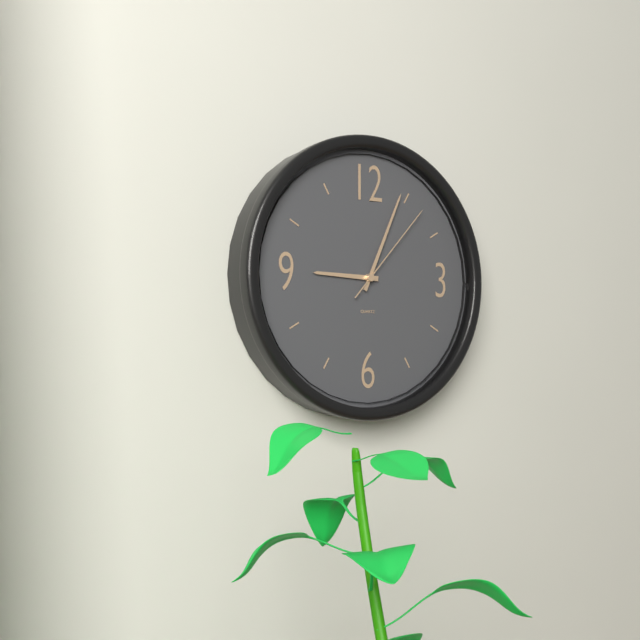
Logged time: 9 h 04 min 07 s
